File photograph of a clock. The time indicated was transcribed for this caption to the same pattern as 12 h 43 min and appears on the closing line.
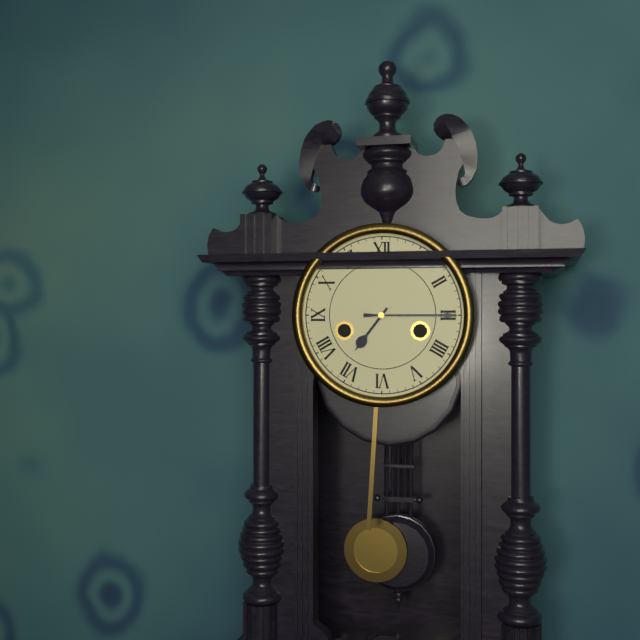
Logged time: 7 h 15 min
